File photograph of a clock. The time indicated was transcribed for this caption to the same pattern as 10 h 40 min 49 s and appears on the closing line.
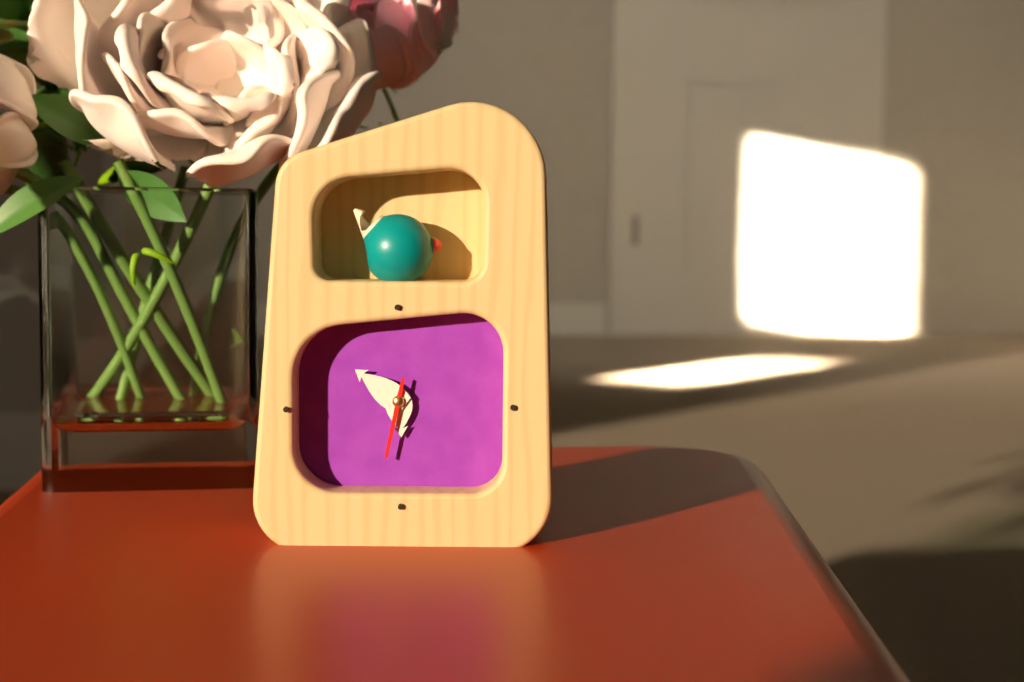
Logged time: 5 h 51 min 32 s
